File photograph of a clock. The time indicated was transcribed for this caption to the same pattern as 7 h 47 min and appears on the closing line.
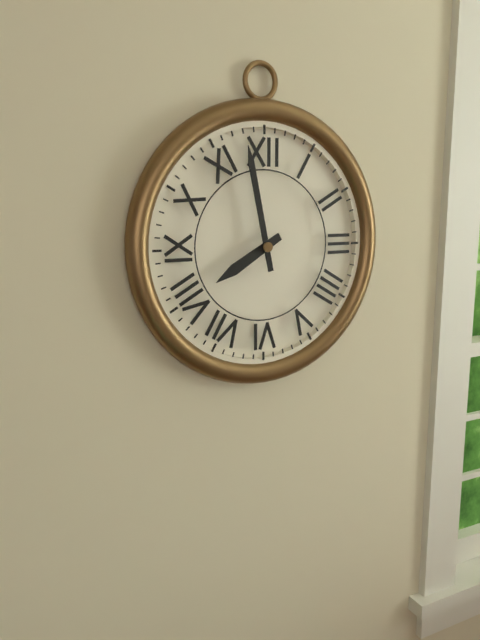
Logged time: 7 h 58 min
